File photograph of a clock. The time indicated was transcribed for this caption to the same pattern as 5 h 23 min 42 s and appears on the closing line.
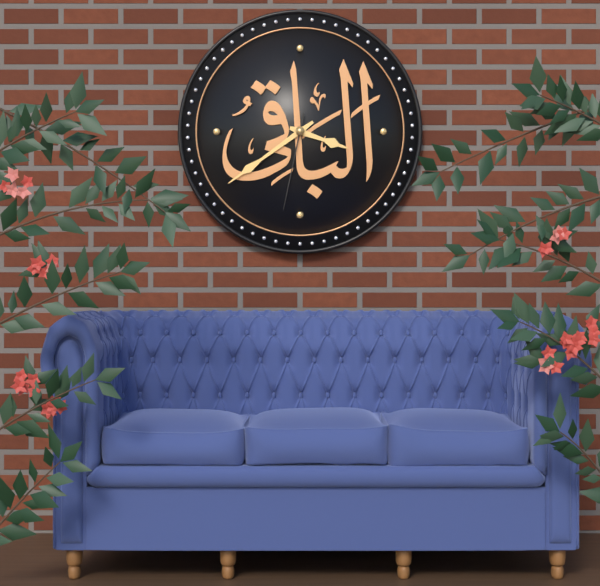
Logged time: 3 h 39 min 32 s
